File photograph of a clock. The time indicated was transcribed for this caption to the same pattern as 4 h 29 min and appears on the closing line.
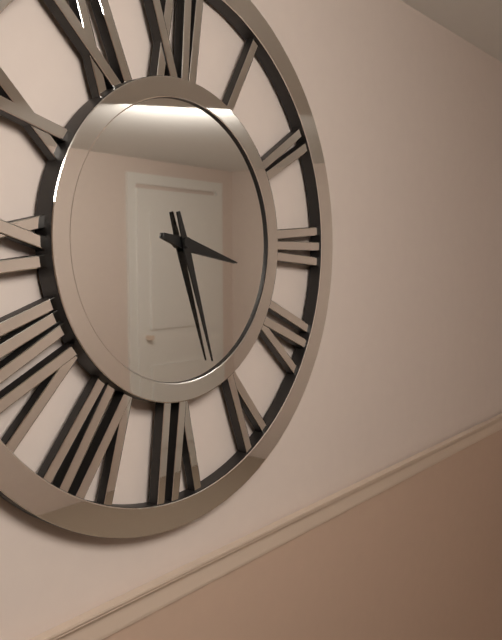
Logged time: 3 h 27 min
